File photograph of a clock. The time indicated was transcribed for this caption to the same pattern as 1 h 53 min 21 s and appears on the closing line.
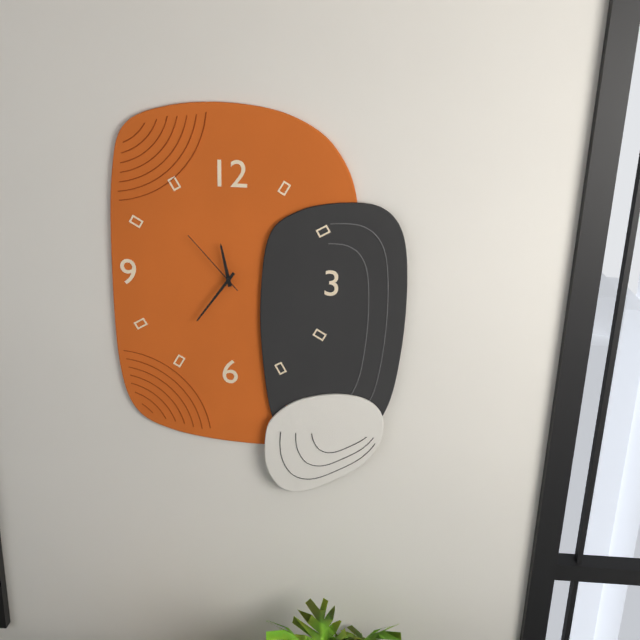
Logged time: 11 h 36 min 53 s
